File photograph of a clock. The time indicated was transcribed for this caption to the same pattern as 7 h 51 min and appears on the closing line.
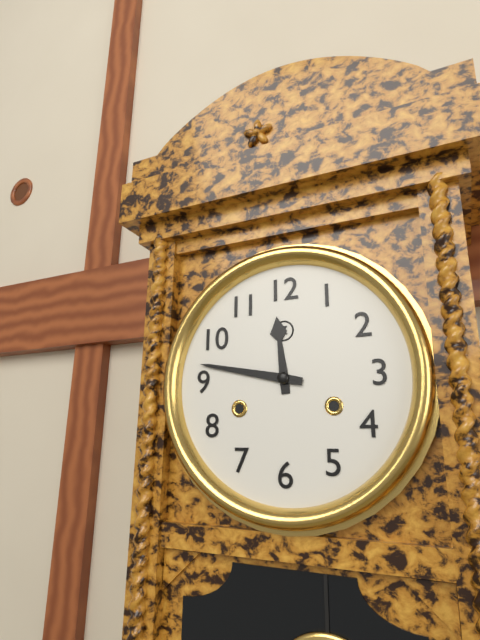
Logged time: 11 h 47 min
